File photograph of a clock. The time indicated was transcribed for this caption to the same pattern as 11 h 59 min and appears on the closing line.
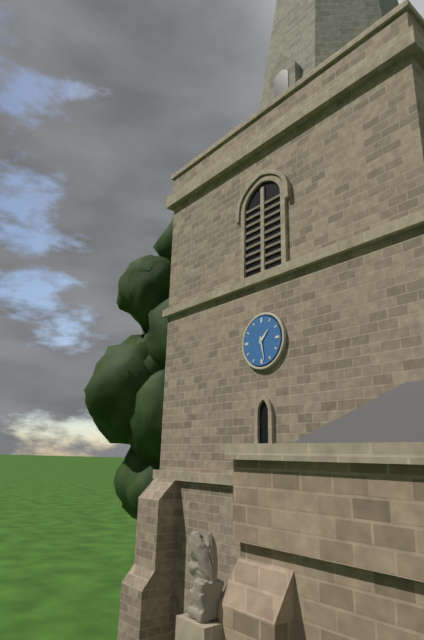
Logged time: 1 h 28 min
